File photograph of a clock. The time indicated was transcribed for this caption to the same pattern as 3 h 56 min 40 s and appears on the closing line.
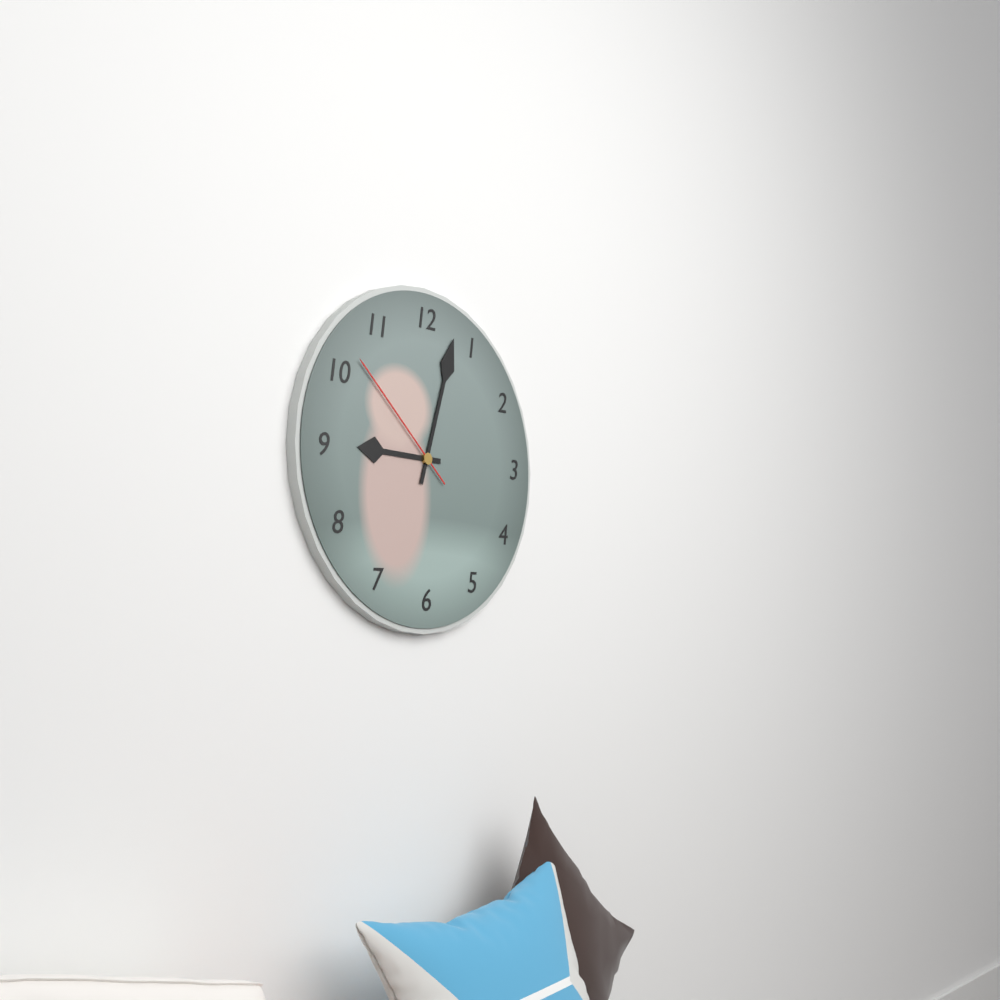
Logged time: 9 h 03 min 52 s
